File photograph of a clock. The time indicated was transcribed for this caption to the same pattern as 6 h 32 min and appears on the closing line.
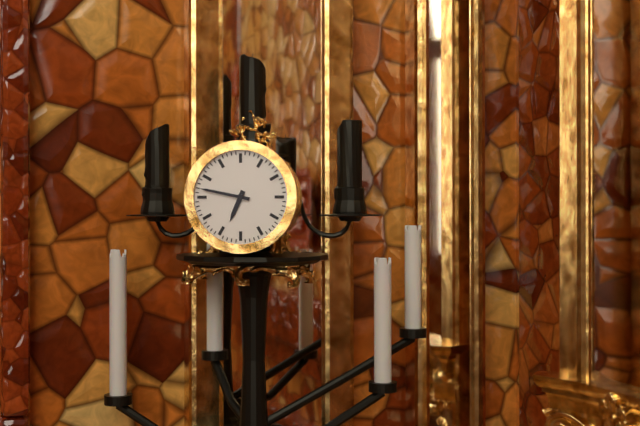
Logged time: 6 h 47 min
